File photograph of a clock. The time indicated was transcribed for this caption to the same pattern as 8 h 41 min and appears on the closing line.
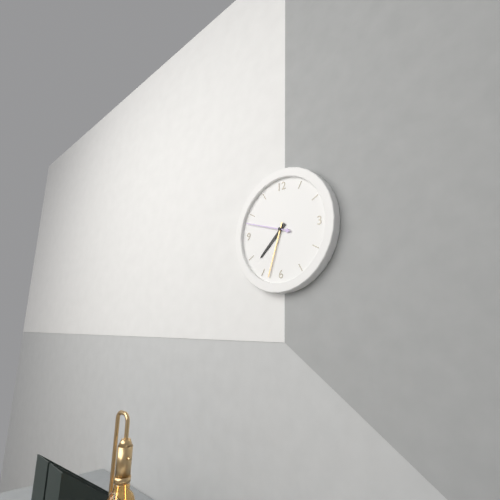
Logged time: 7 h 33 min
